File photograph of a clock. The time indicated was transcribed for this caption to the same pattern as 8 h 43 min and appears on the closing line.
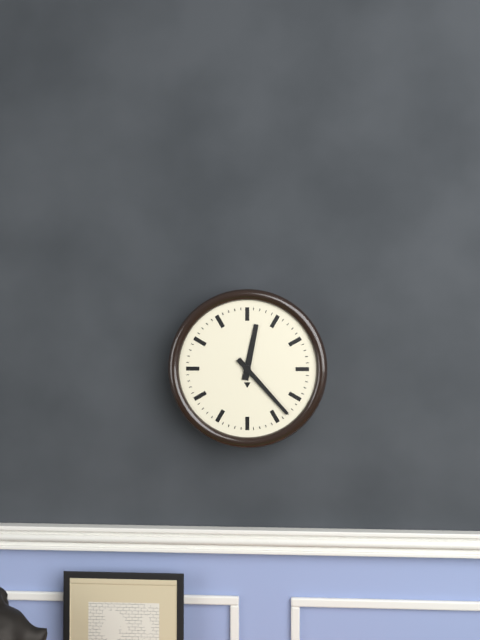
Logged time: 12 h 23 min
